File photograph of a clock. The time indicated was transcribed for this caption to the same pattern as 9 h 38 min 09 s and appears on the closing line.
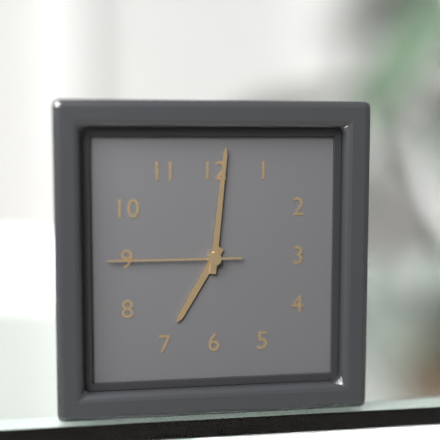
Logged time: 7 h 01 min 45 s
